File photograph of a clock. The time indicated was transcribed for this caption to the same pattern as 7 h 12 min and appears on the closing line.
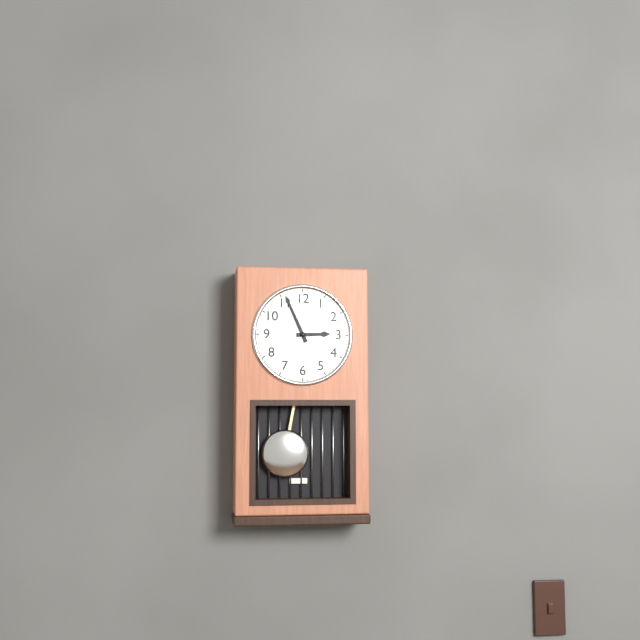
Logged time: 2 h 56 min
